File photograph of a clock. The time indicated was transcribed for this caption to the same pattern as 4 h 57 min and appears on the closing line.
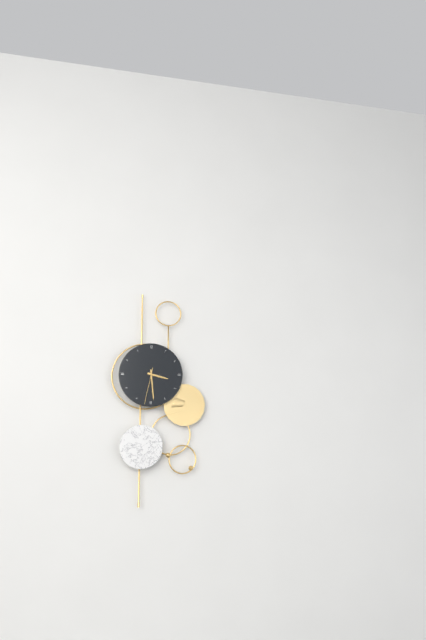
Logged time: 3 h 29 min
